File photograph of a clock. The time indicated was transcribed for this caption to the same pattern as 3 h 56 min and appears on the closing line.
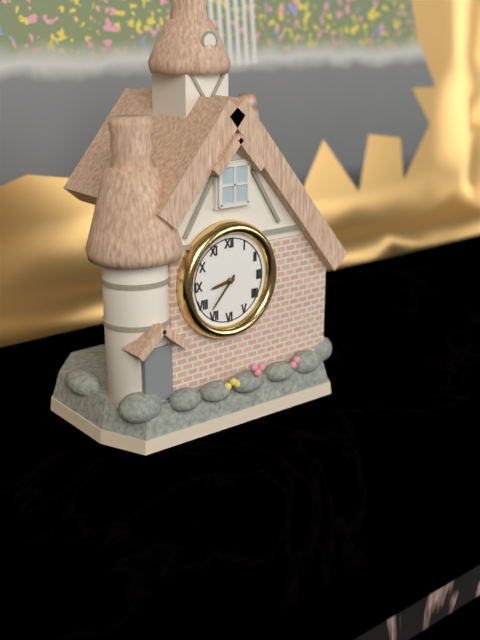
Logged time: 8 h 37 min
